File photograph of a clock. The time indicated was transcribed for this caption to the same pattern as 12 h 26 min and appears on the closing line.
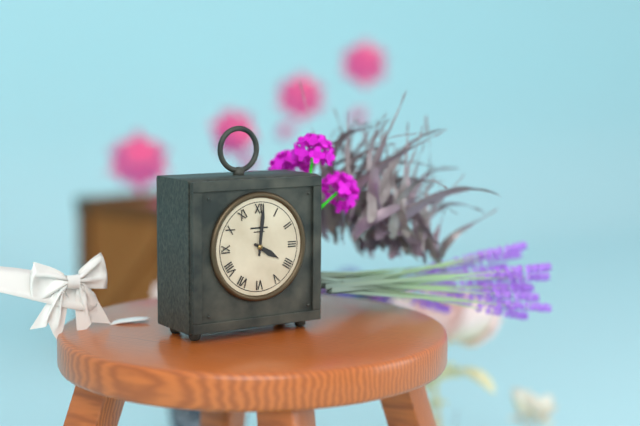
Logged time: 4 h 01 min
